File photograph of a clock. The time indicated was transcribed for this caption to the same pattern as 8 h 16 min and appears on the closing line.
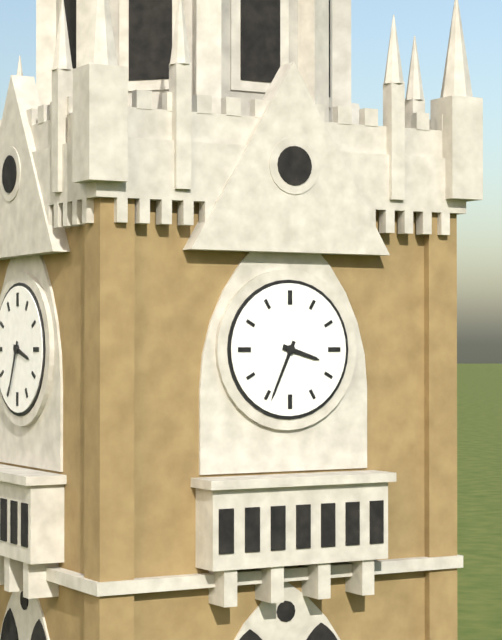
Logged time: 3 h 34 min
